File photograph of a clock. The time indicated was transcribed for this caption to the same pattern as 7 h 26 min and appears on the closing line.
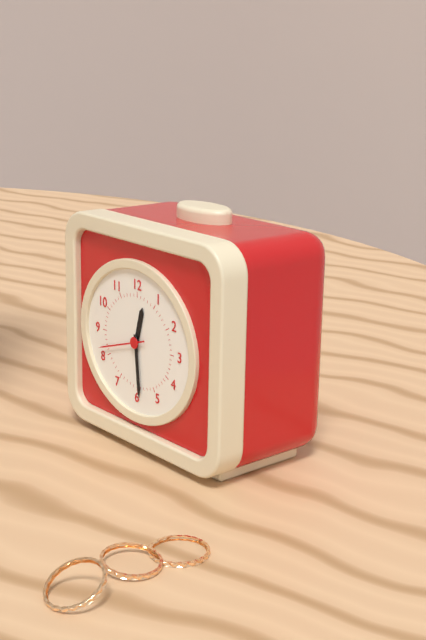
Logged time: 12 h 29 min
